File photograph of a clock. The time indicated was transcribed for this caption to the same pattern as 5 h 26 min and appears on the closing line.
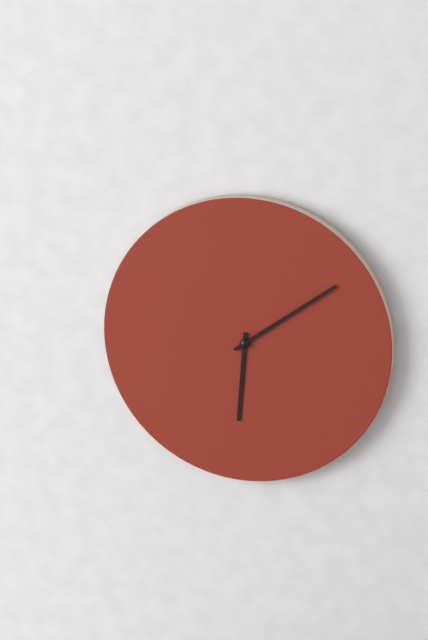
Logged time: 6 h 09 min
